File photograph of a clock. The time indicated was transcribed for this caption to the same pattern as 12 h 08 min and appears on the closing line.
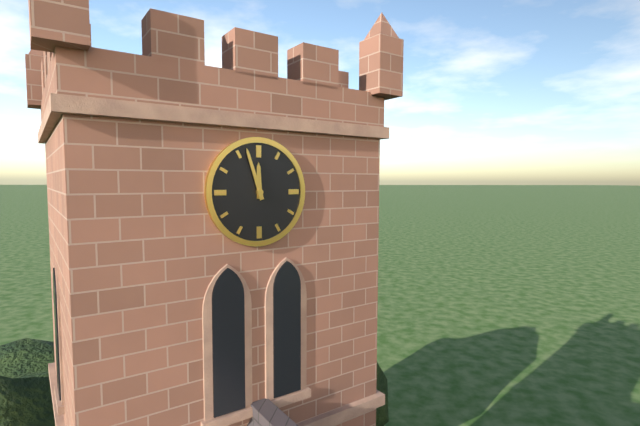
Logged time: 11 h 57 min
